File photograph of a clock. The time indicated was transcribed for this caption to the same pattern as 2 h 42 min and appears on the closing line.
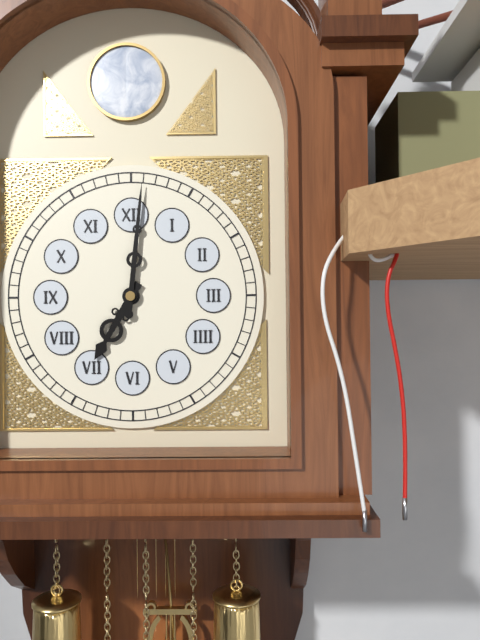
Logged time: 7 h 01 min
